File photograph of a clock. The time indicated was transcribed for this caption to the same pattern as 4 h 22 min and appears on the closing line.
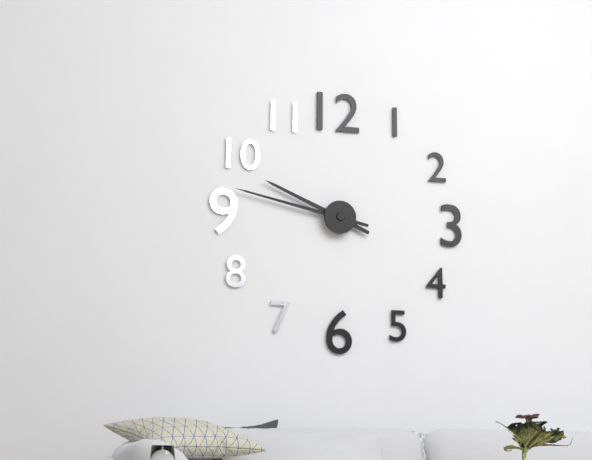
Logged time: 9 h 47 min
